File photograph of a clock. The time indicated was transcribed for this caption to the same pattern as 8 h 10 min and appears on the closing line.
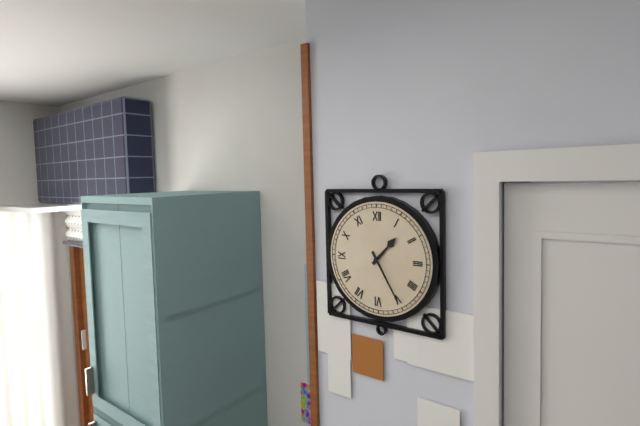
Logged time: 1 h 25 min
